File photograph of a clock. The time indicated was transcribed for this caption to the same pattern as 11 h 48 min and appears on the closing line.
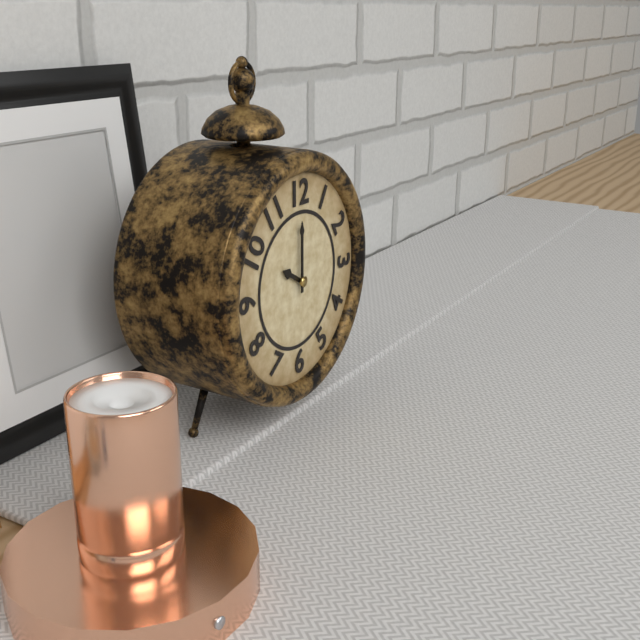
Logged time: 10 h 00 min
